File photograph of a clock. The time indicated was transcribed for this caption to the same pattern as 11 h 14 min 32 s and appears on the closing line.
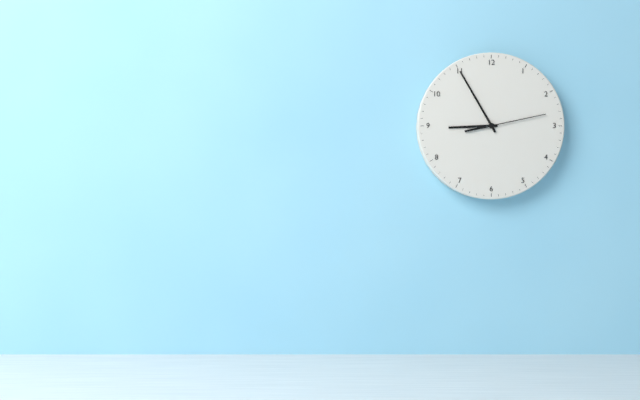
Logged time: 8 h 55 min 13 s
